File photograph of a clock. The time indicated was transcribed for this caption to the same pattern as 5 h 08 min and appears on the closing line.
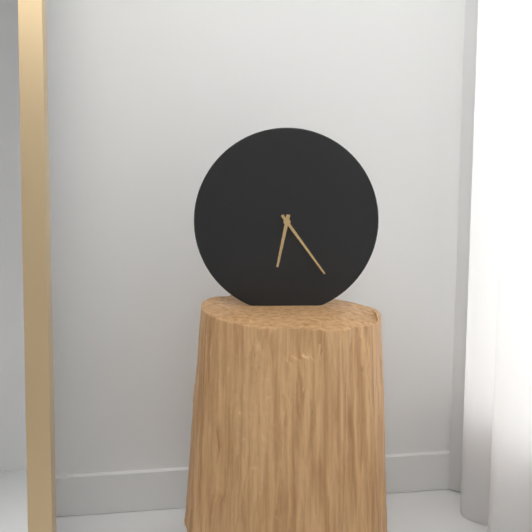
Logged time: 6 h 24 min
